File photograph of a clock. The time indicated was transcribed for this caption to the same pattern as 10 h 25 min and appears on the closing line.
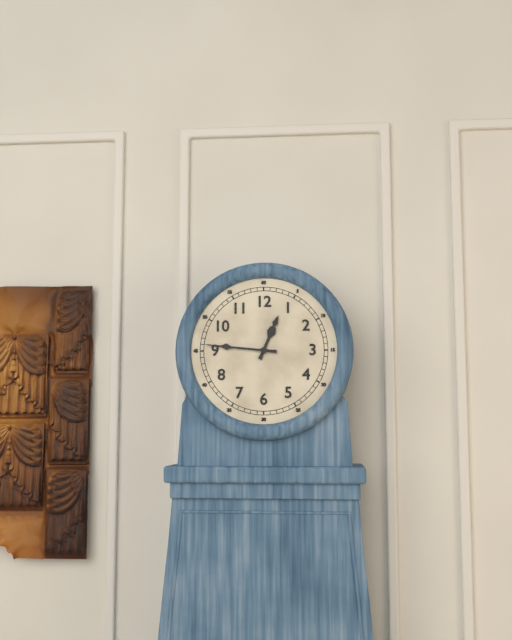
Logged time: 12 h 46 min
